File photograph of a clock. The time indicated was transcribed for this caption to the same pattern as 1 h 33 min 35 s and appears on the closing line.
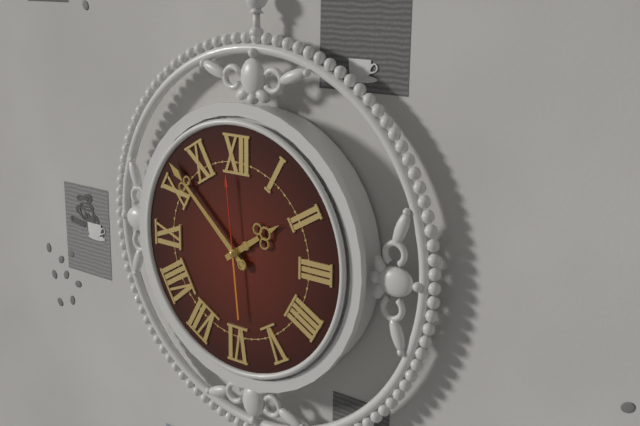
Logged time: 1 h 52 min 59 s
